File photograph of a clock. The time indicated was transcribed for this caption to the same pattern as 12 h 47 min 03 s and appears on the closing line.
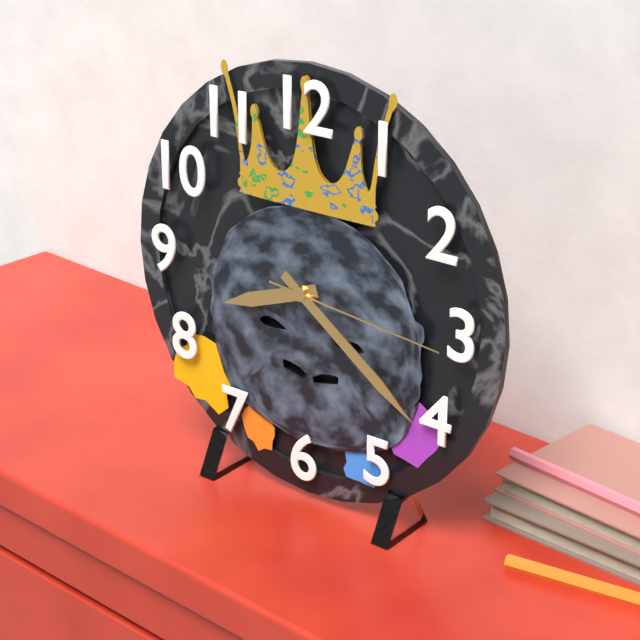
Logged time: 8 h 21 min 16 s
